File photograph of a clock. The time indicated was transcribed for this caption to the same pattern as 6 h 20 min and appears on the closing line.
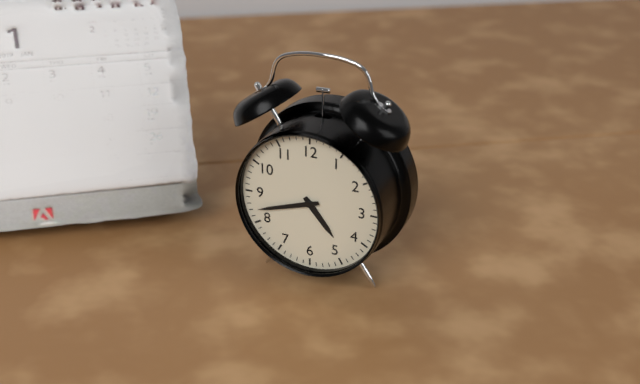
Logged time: 4 h 42 min
